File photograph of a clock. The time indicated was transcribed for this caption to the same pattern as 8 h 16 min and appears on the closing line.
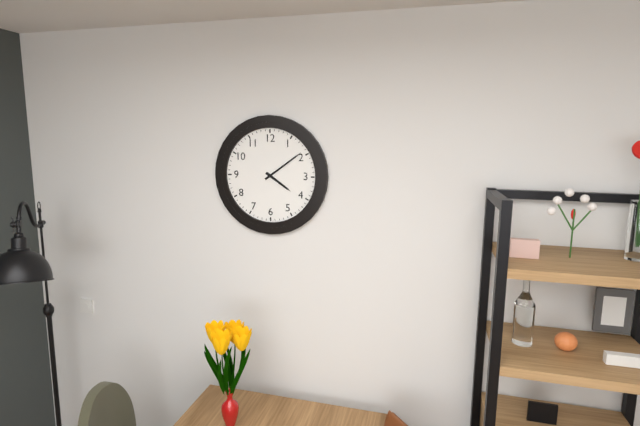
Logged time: 4 h 09 min
